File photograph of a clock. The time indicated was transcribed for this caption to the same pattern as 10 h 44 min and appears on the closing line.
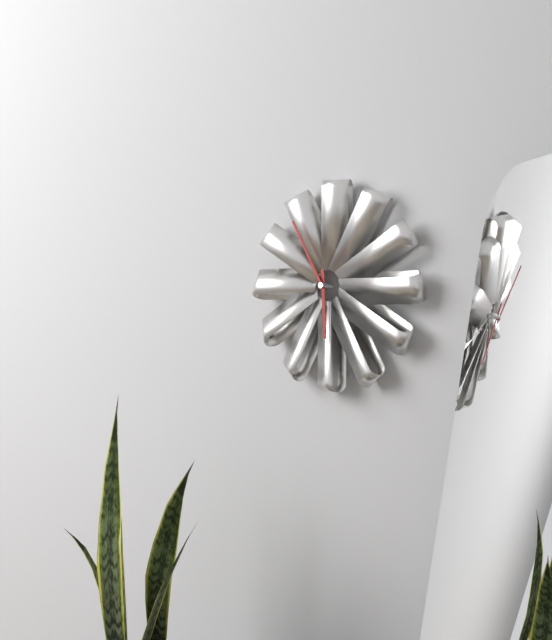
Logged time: 5 h 55 min
